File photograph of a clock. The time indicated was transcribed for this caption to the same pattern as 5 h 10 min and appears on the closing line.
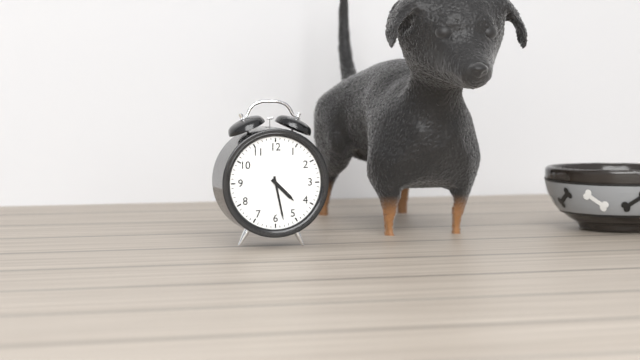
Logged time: 4 h 28 min
